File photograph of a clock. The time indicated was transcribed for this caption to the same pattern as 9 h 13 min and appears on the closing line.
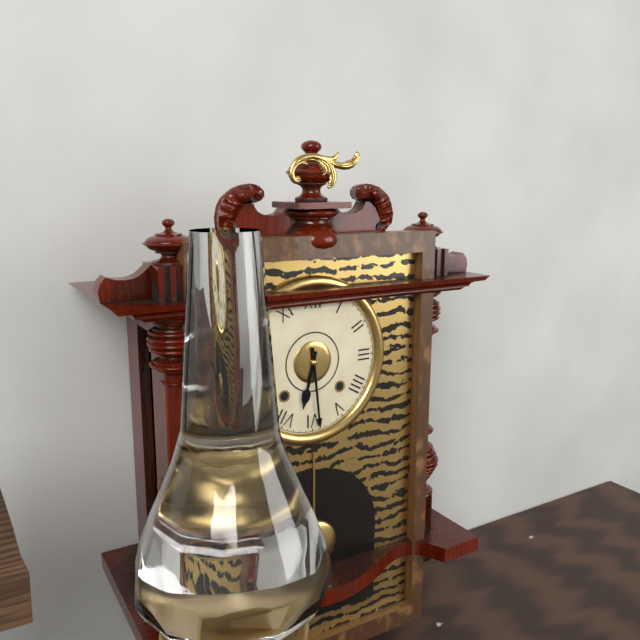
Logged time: 6 h 29 min
